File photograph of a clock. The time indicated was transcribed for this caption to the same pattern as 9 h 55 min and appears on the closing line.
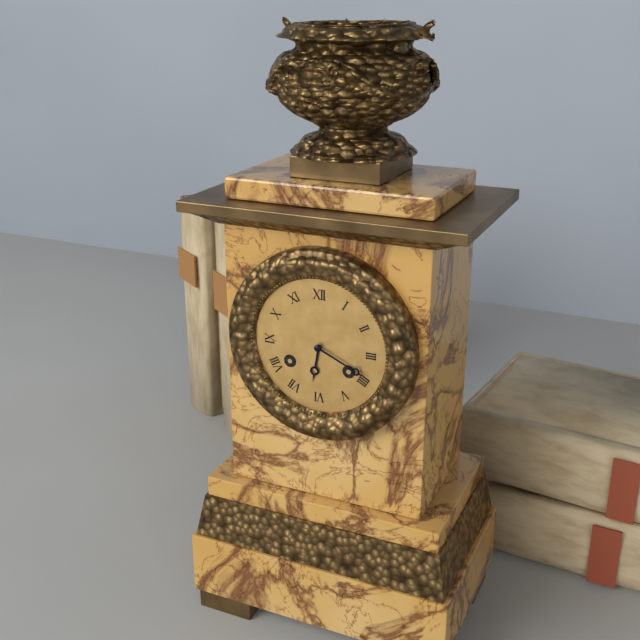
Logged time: 6 h 19 min
